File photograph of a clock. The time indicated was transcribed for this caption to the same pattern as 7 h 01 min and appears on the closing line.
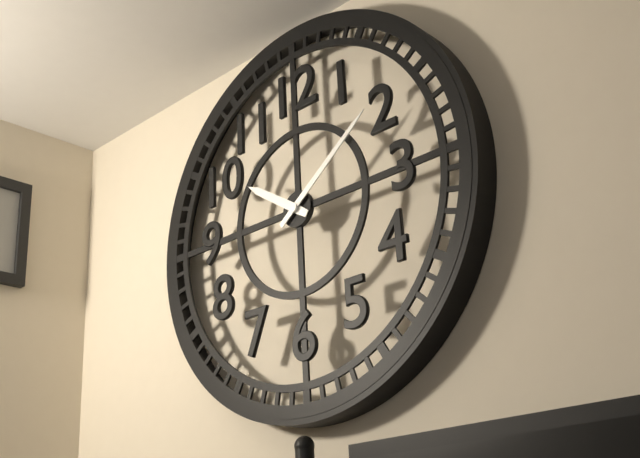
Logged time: 10 h 09 min
